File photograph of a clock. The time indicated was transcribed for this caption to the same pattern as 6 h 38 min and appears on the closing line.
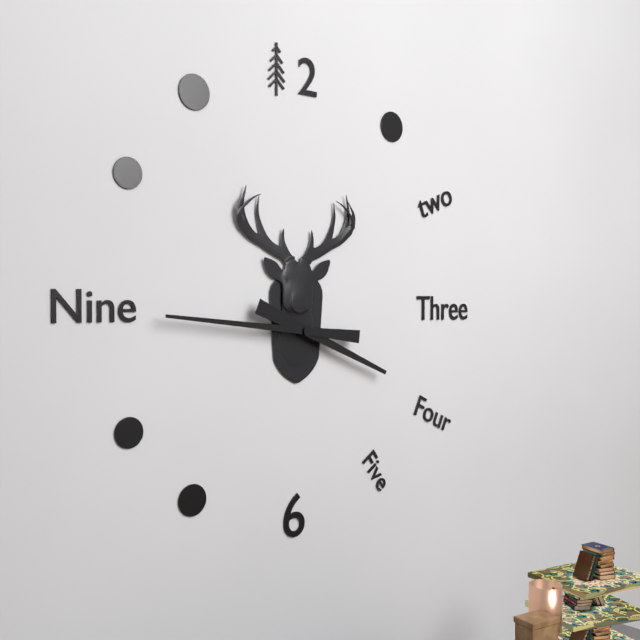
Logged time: 3 h 46 min
